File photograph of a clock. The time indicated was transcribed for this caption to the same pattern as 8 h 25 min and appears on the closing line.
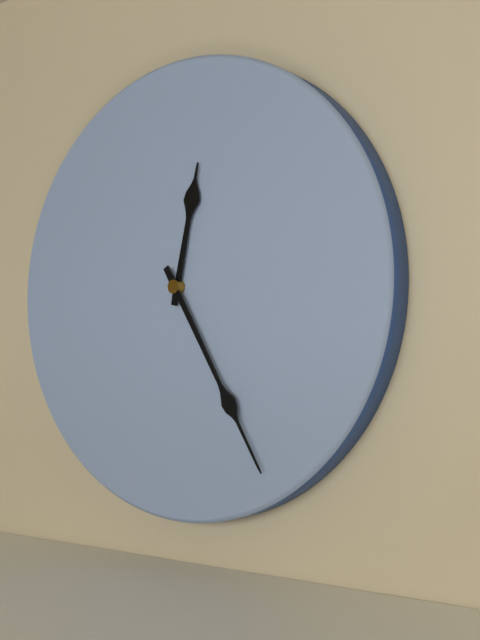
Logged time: 12 h 25 min
